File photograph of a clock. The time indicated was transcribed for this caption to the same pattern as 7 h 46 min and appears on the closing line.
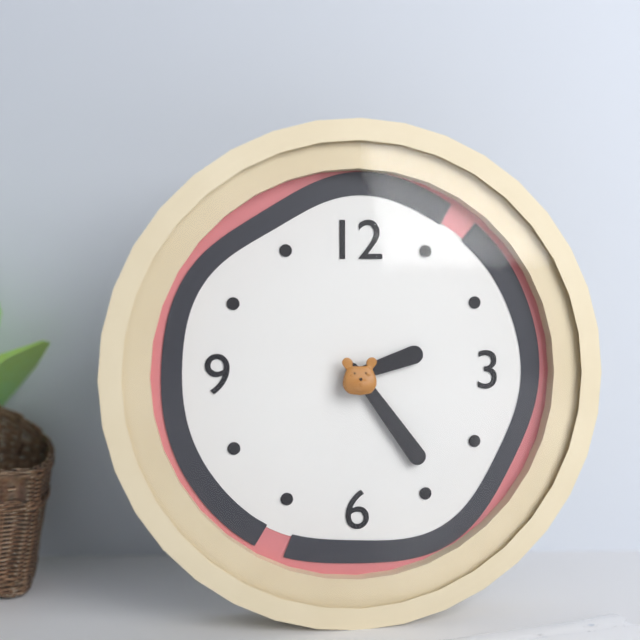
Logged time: 2 h 24 min
